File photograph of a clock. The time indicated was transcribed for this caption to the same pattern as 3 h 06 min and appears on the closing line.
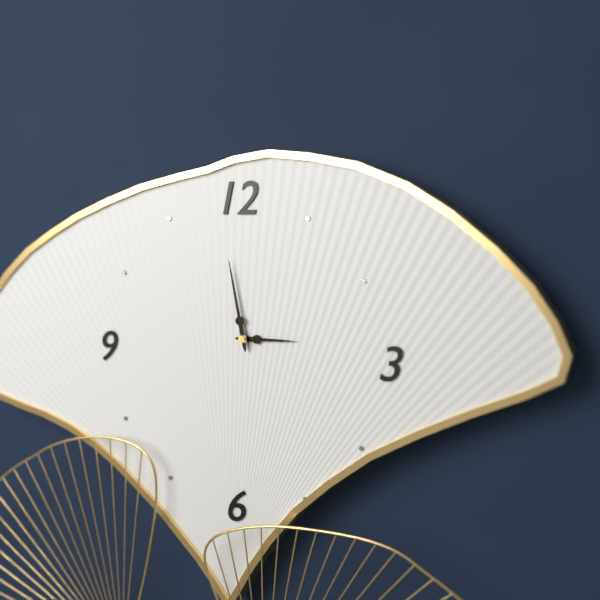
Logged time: 2 h 58 min
